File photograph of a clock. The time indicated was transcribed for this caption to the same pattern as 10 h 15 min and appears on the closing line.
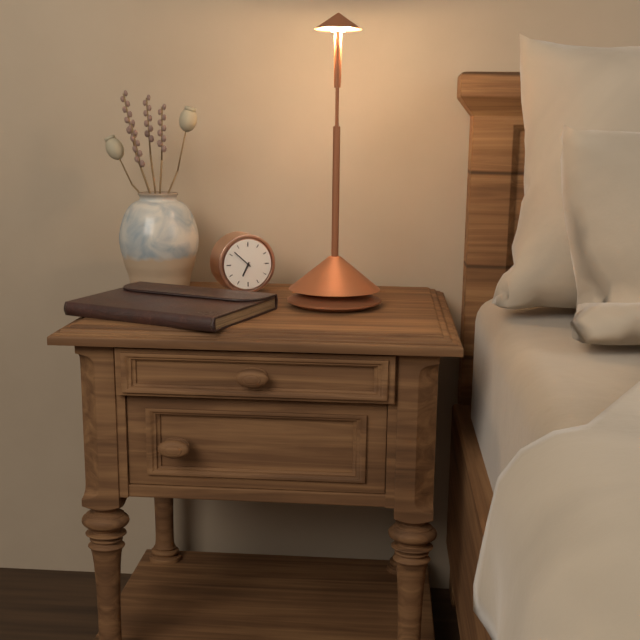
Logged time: 6 h 52 min
